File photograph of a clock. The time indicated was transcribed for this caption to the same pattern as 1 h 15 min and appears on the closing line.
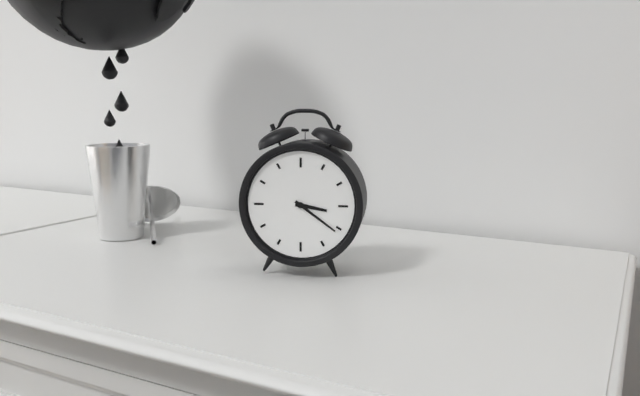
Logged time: 3 h 21 min
